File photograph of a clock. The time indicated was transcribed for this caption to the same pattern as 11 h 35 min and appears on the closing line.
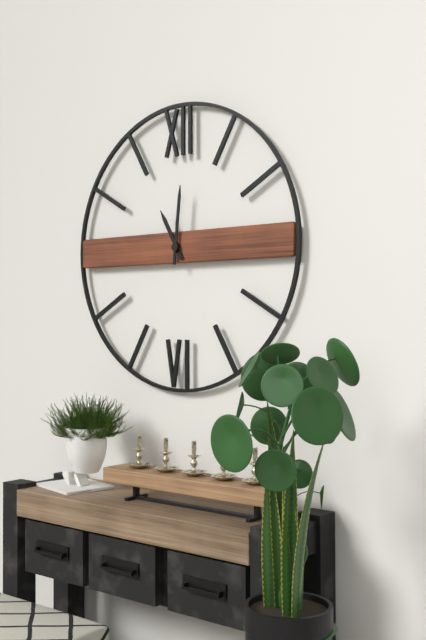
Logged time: 11 h 01 min
